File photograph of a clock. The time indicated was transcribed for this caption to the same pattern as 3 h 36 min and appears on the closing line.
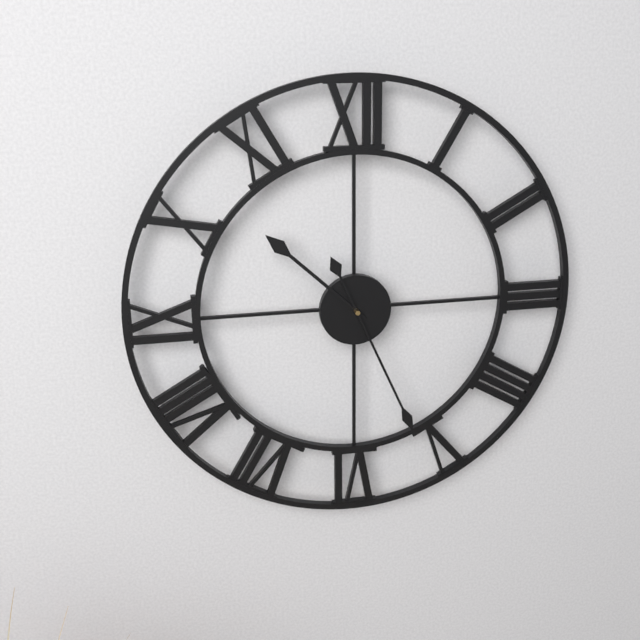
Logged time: 10 h 26 min
